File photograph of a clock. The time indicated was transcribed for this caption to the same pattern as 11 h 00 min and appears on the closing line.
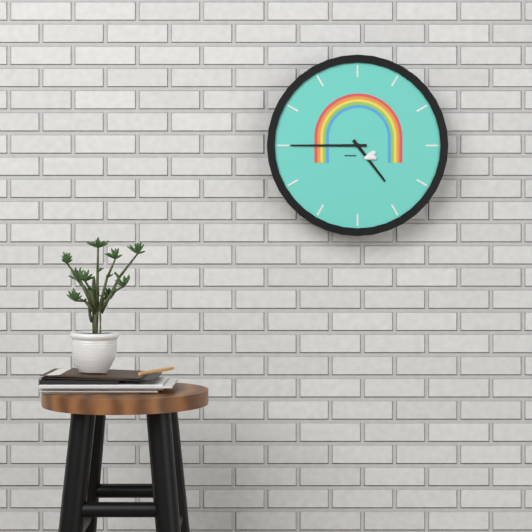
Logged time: 4 h 45 min
